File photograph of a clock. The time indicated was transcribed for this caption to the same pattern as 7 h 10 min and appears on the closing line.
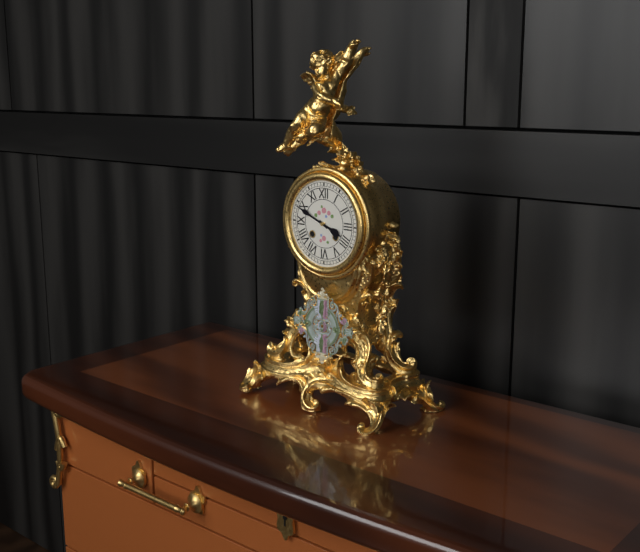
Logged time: 3 h 49 min
